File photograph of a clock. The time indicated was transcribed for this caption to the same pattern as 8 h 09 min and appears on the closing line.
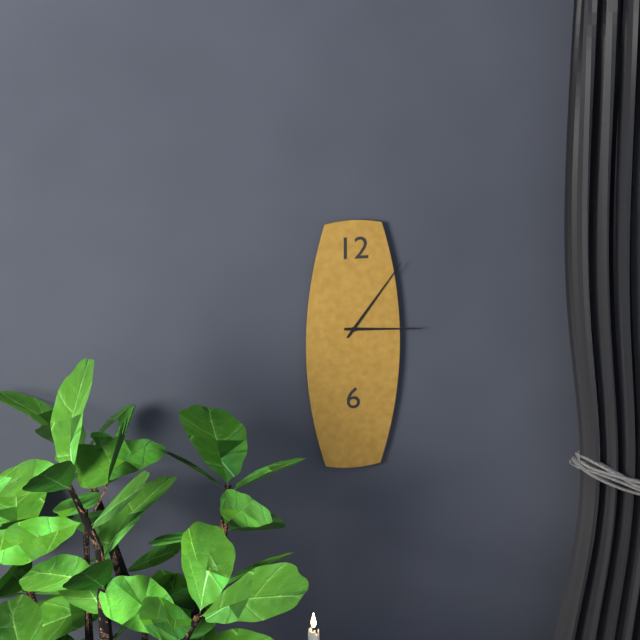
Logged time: 3 h 06 min
